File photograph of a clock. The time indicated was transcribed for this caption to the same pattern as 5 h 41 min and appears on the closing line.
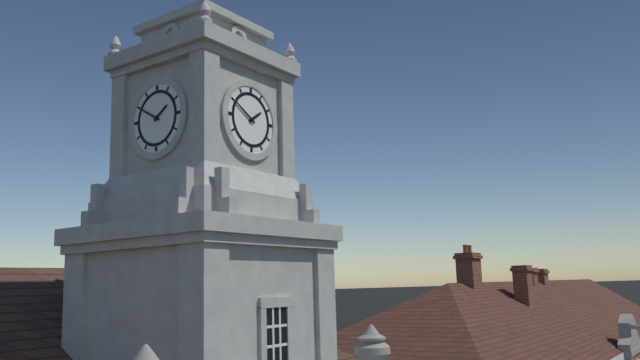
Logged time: 1 h 50 min
